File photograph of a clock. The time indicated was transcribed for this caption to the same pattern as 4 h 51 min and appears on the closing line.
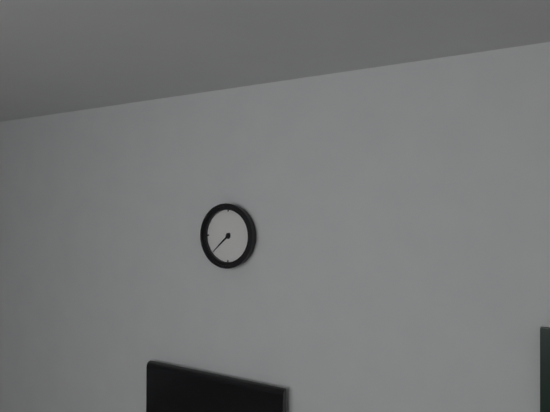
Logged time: 7 h 38 min
